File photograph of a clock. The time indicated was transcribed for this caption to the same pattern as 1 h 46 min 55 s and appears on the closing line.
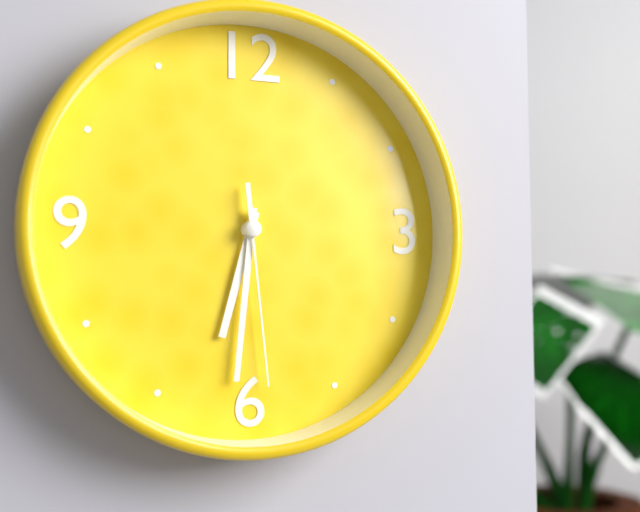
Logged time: 6 h 31 min 29 s
